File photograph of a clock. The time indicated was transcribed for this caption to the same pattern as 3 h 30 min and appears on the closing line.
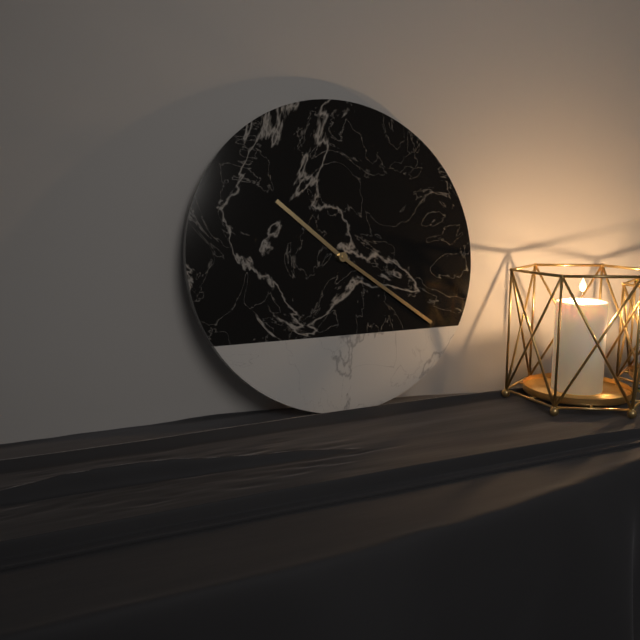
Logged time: 10 h 21 min
